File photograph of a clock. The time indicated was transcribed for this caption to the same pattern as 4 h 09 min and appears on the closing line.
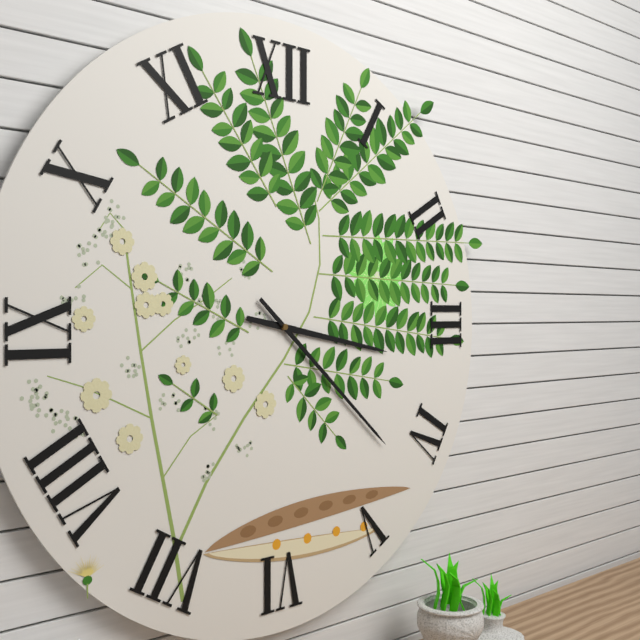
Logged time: 3 h 22 min
